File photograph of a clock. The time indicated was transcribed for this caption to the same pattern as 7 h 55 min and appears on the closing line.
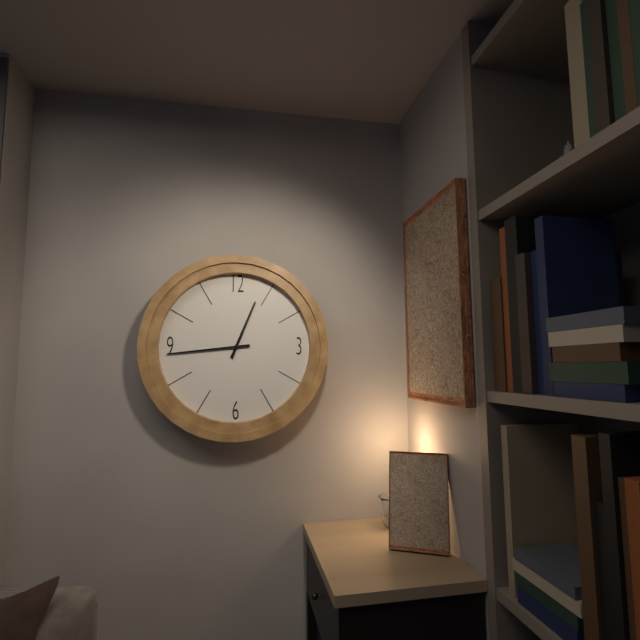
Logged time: 12 h 44 min
